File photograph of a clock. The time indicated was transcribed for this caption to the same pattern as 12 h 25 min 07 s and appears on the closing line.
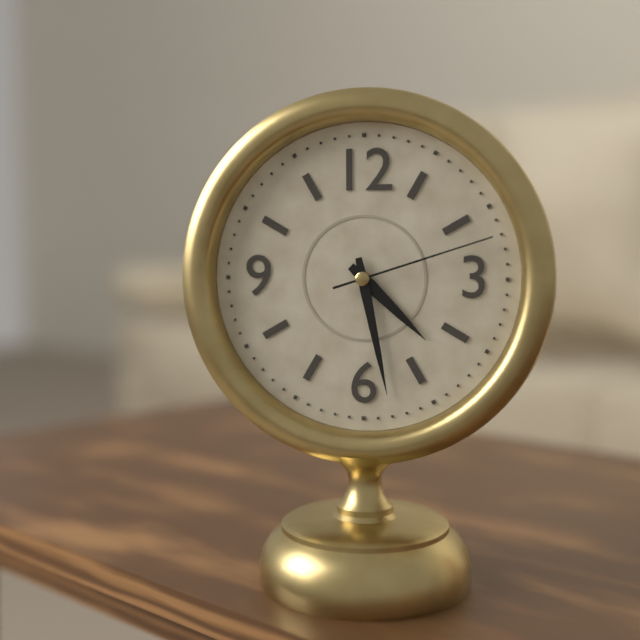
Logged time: 4 h 28 min 12 s
